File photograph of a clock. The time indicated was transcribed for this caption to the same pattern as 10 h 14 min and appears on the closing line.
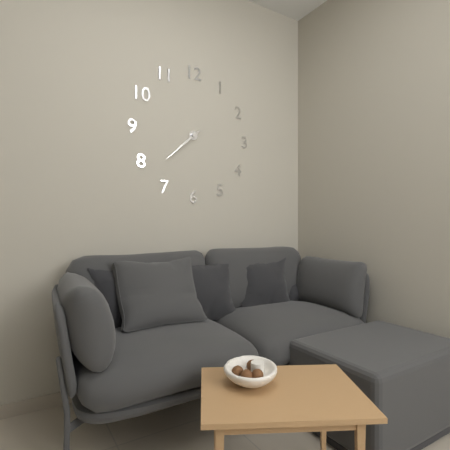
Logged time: 7 h 38 min
